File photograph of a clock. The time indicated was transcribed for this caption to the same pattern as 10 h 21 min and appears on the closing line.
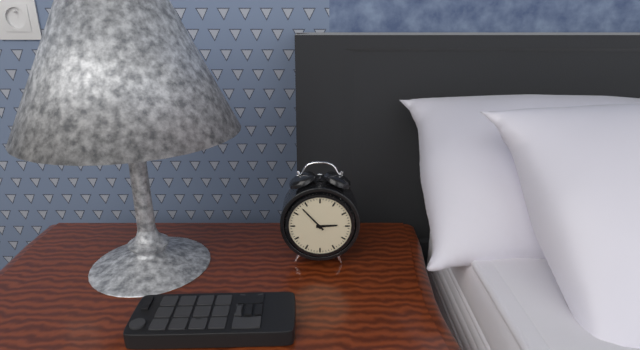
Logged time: 2 h 53 min
